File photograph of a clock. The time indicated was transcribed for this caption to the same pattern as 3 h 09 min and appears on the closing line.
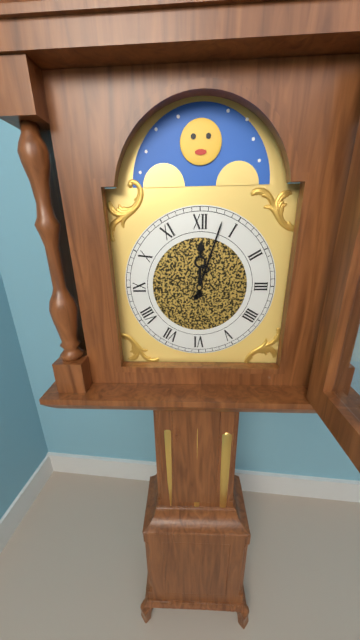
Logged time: 12 h 03 min
